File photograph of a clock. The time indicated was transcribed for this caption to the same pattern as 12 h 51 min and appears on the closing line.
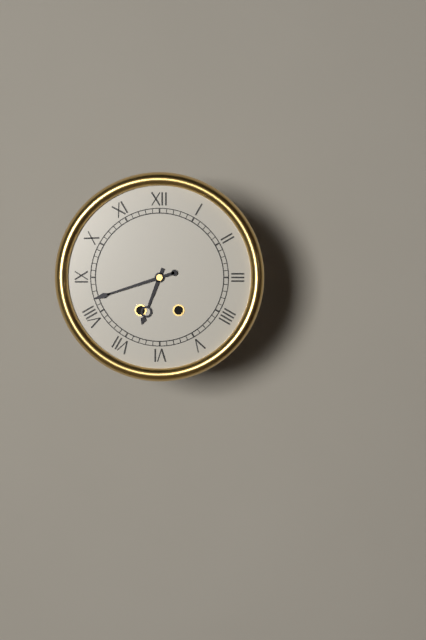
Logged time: 6 h 42 min
